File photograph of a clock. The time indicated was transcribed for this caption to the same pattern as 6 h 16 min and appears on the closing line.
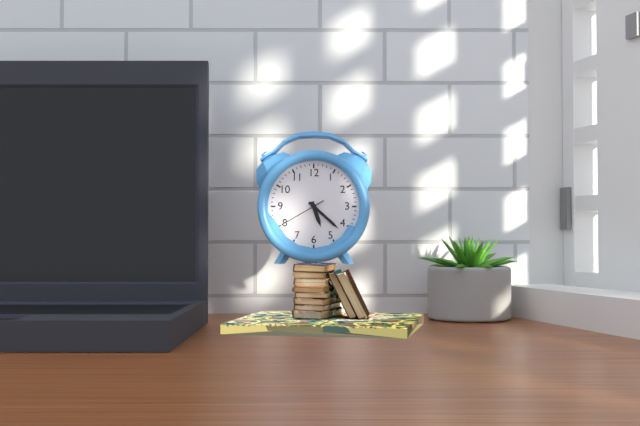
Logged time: 5 h 22 min
